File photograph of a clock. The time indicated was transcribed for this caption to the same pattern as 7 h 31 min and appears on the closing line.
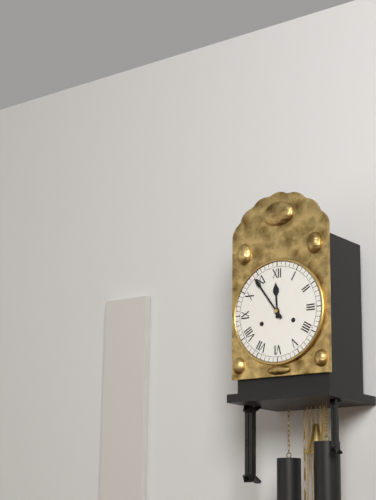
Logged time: 11 h 54 min
